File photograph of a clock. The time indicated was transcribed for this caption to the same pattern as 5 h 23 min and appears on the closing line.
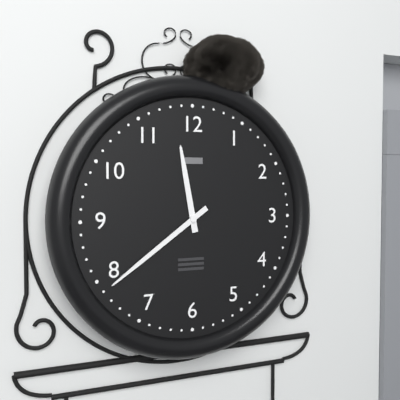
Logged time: 11 h 39 min
